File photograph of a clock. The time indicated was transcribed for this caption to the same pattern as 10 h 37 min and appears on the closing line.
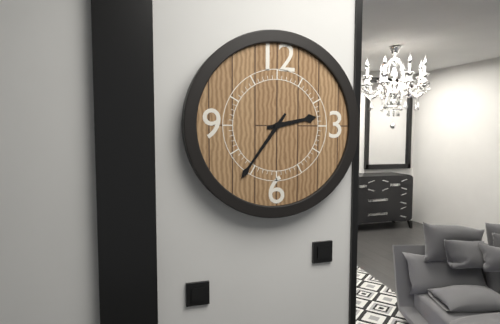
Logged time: 2 h 36 min
